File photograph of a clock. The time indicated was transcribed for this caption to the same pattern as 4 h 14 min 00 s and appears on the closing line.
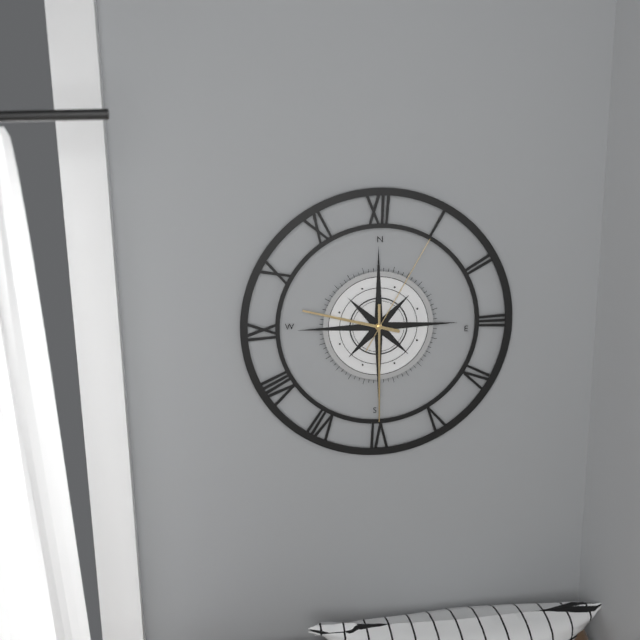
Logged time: 9 h 30 min 05 s
